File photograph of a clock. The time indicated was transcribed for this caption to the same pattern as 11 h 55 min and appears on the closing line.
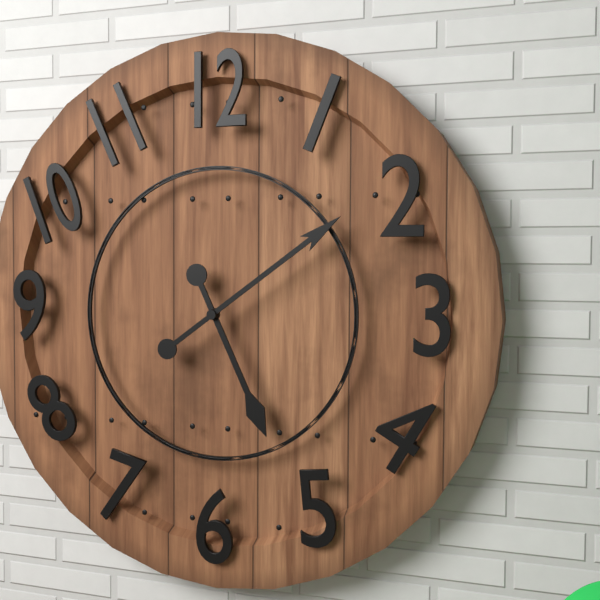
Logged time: 5 h 09 min
